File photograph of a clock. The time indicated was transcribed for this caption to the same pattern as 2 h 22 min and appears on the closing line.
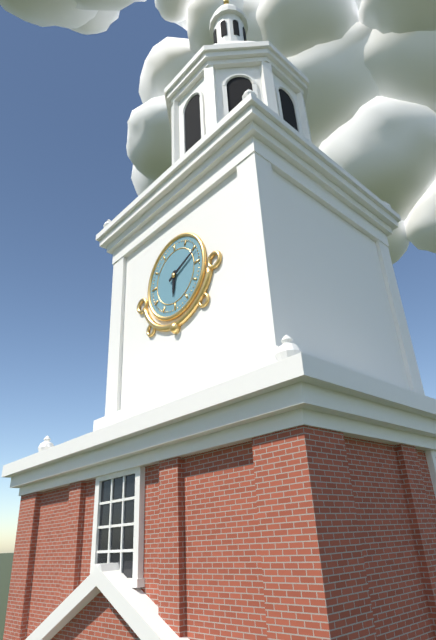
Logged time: 6 h 11 min
